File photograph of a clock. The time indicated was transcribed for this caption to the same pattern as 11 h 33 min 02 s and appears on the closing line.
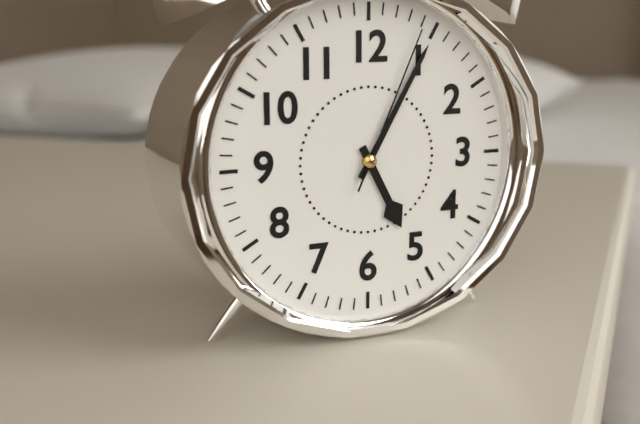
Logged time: 5 h 05 min 04 s
